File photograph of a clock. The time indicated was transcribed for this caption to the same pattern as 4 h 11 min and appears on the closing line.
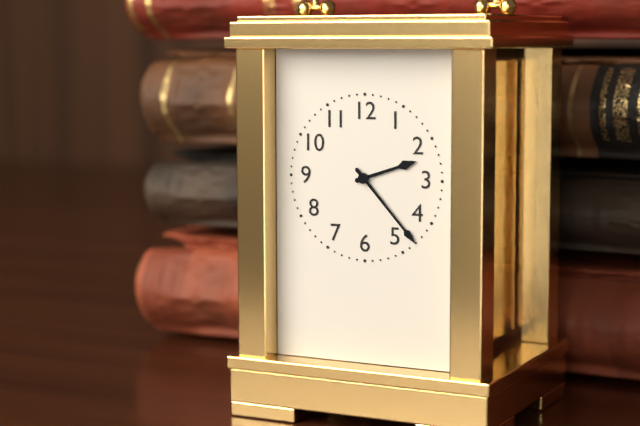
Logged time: 2 h 23 min
